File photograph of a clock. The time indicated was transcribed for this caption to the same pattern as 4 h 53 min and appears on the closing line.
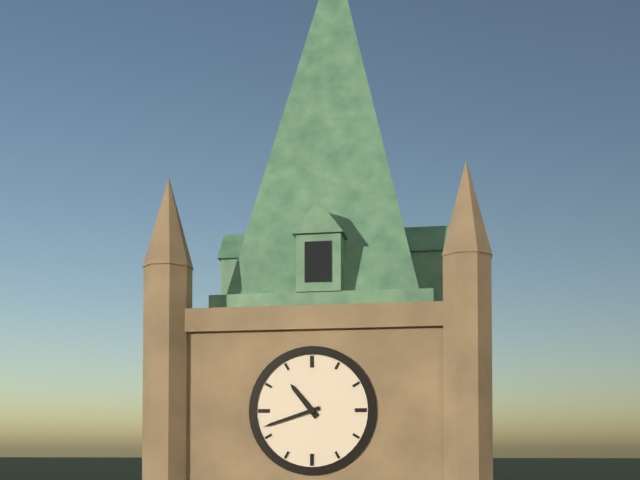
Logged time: 10 h 42 min
